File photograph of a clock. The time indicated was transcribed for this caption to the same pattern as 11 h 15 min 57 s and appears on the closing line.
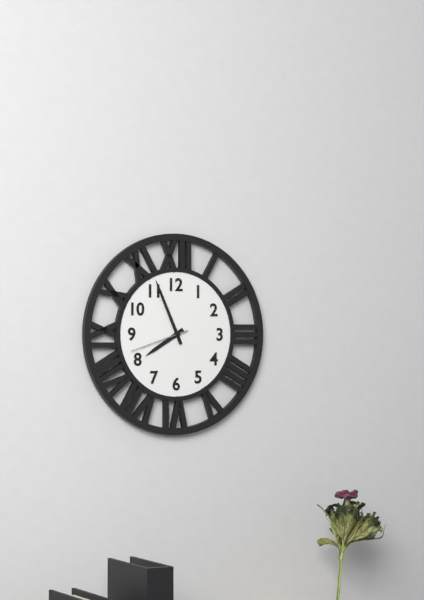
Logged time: 7 h 56 min 42 s
